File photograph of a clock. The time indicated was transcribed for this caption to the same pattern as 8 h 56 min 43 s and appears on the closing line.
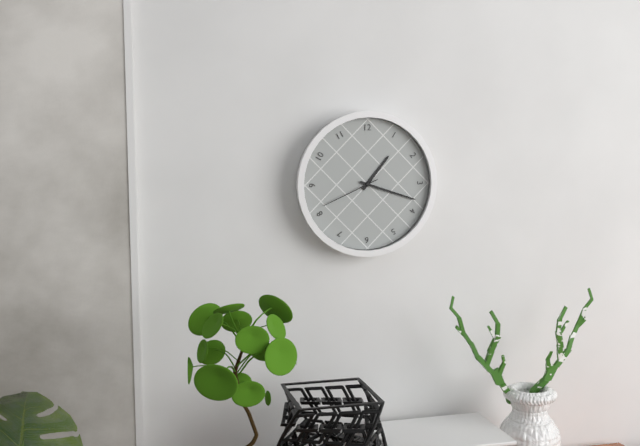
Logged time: 1 h 18 min 41 s
